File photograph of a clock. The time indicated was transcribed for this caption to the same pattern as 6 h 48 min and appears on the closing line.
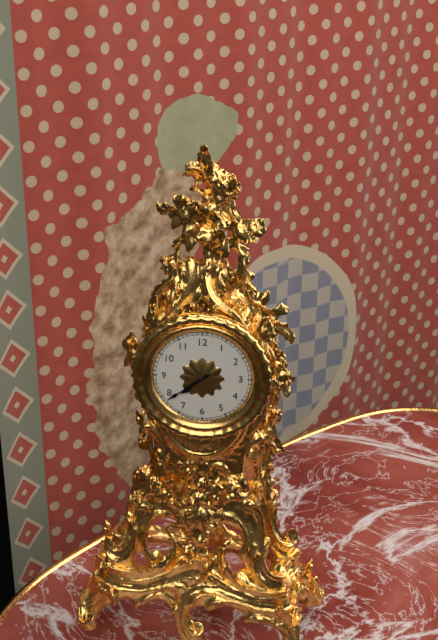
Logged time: 7 h 39 min
